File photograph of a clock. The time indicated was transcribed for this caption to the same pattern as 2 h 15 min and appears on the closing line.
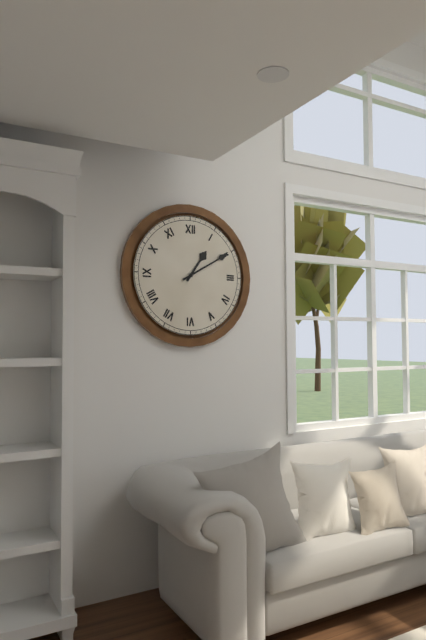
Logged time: 1 h 10 min
